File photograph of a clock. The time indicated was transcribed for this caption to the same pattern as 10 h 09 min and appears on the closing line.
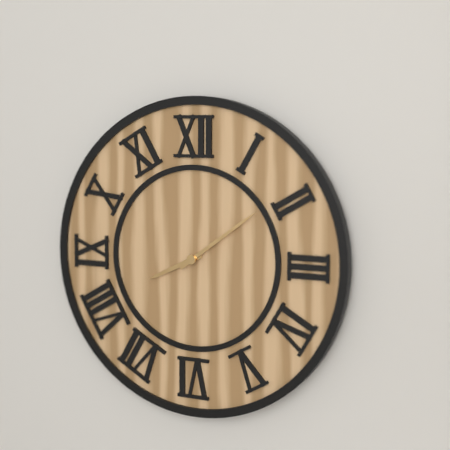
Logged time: 8 h 09 min
